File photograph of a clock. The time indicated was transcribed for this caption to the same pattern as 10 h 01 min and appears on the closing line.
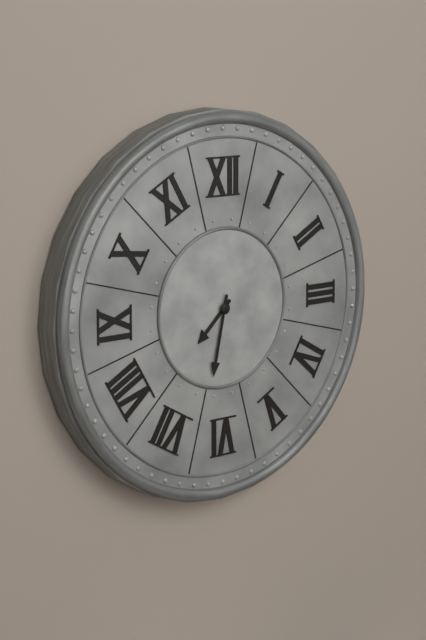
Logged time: 7 h 32 min
